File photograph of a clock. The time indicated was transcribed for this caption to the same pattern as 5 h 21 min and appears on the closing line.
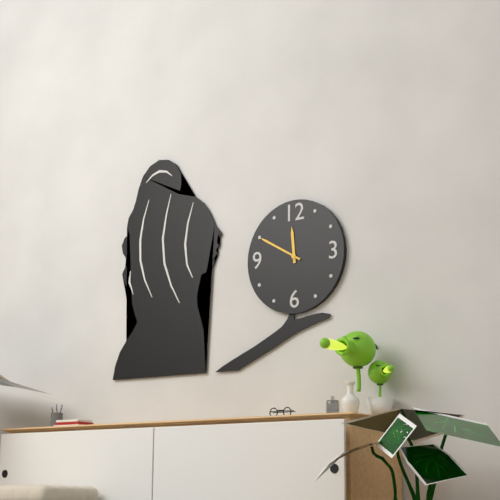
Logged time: 11 h 50 min
